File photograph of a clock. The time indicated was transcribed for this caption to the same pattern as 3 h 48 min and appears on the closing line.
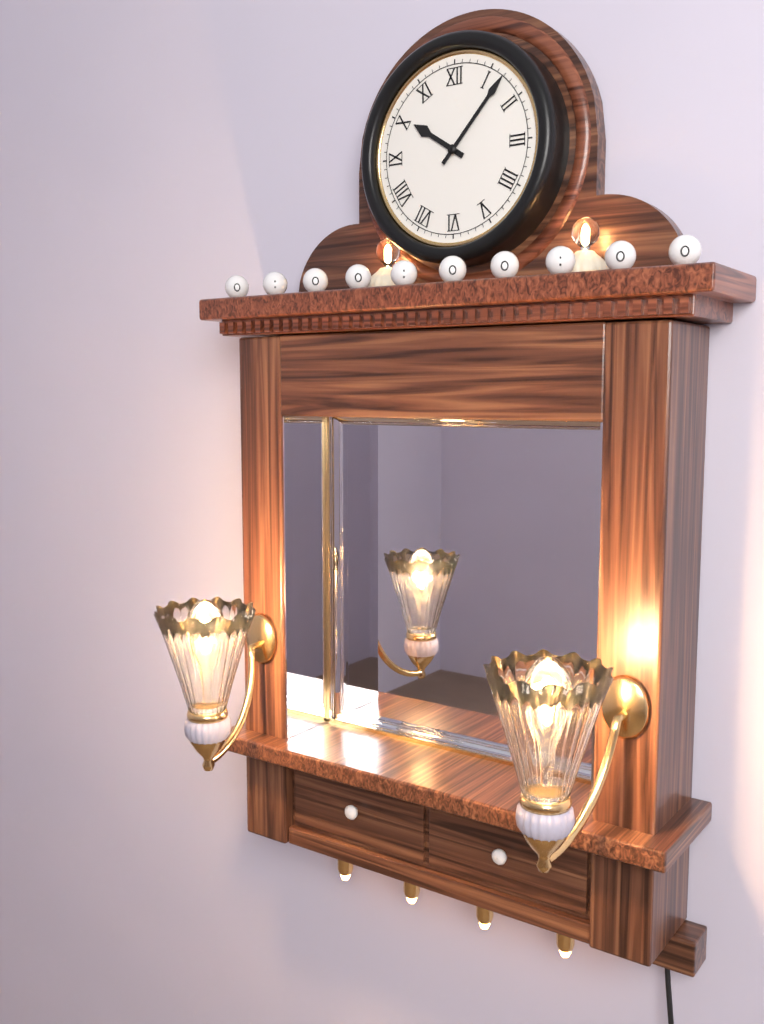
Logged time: 10 h 07 min
